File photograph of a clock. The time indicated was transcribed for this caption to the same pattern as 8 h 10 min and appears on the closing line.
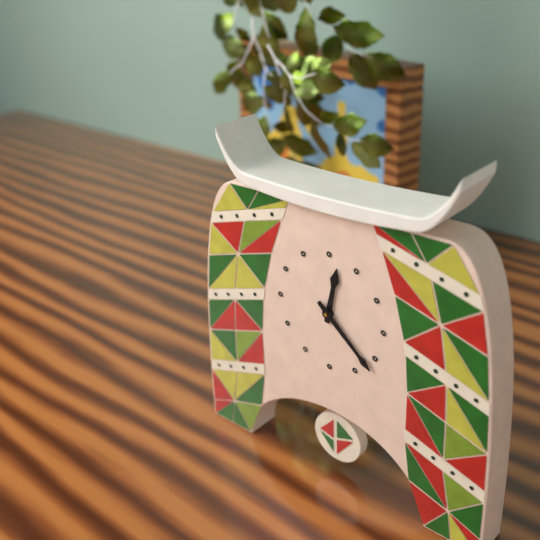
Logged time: 12 h 22 min
